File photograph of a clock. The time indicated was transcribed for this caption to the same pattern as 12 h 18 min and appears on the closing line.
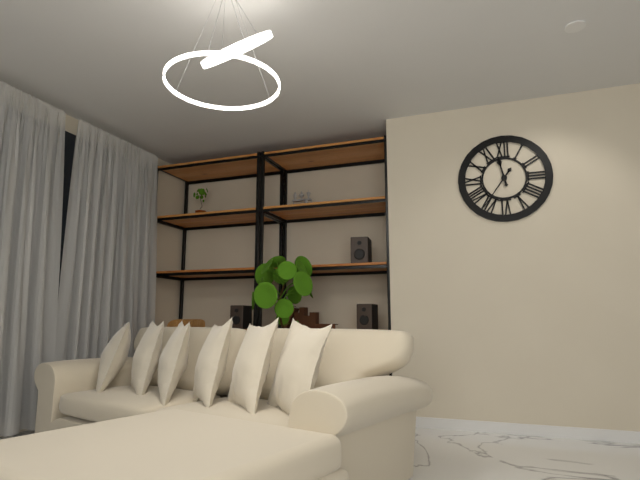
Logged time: 11 h 36 min
